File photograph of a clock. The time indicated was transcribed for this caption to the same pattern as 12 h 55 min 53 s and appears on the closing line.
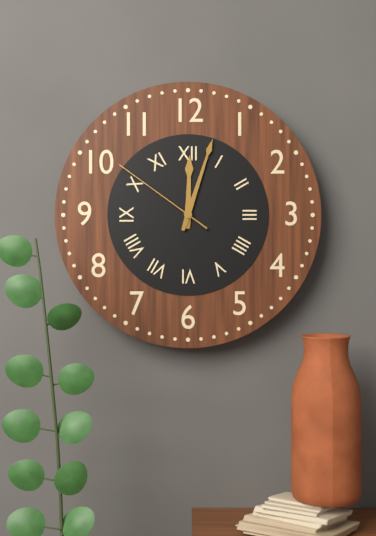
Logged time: 12 h 03 min 51 s
